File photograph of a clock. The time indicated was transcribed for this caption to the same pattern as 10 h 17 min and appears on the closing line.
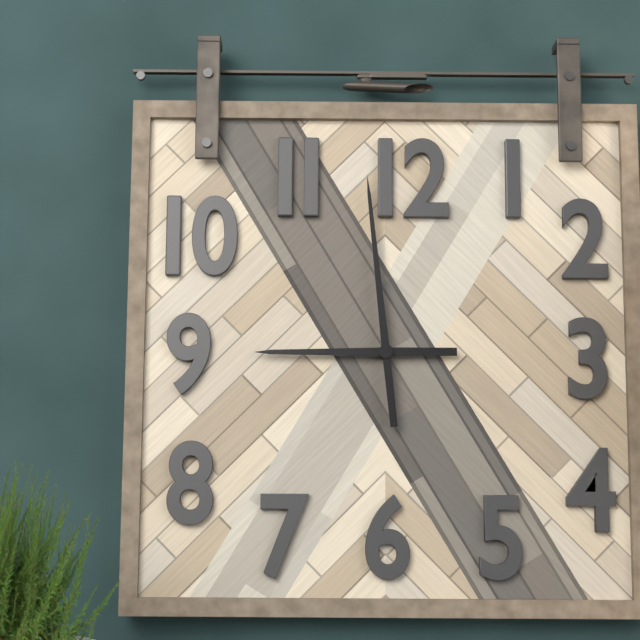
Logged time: 8 h 59 min
